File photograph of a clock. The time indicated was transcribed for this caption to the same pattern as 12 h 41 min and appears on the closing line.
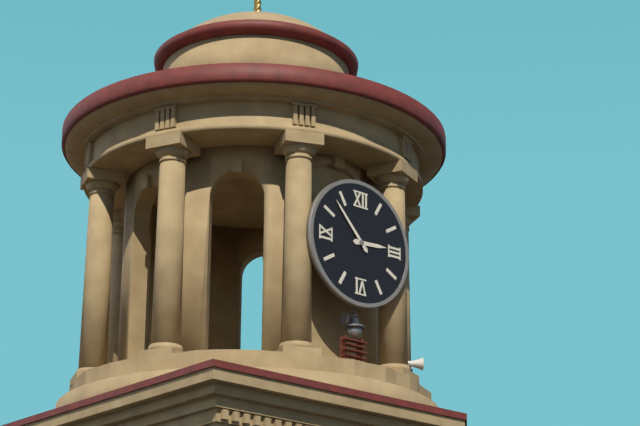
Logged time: 2 h 53 min
